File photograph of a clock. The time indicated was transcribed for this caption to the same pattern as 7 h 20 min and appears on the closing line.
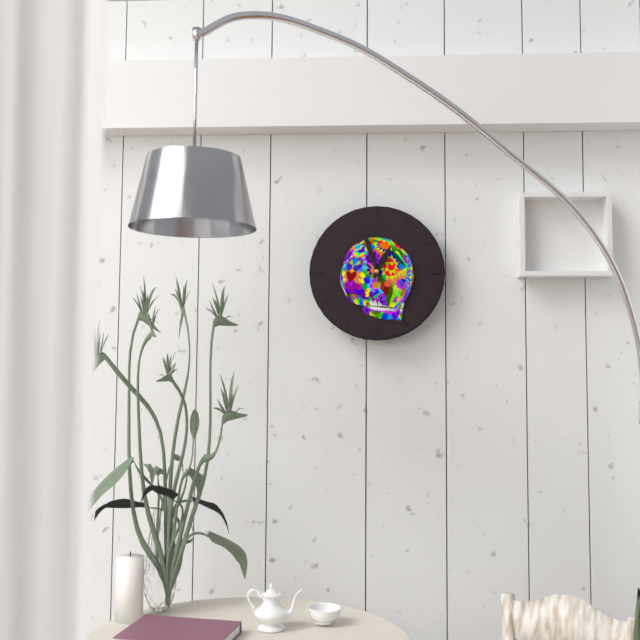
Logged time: 12 h 57 min
